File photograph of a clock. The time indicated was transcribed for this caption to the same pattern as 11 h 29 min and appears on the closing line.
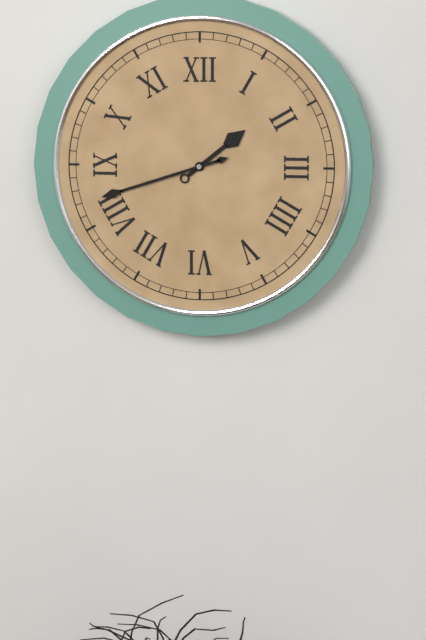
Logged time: 1 h 42 min
